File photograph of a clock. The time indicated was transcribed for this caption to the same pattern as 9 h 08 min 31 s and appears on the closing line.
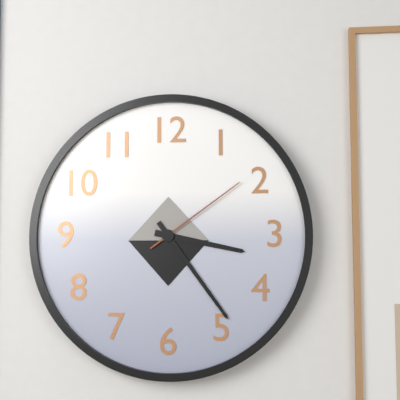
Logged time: 3 h 24 min 09 s
